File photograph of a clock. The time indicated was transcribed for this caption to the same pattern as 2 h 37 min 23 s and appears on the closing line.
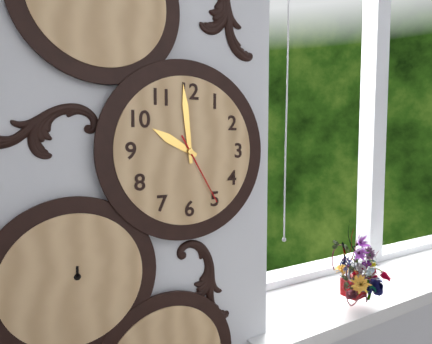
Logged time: 9 h 59 min 25 s
